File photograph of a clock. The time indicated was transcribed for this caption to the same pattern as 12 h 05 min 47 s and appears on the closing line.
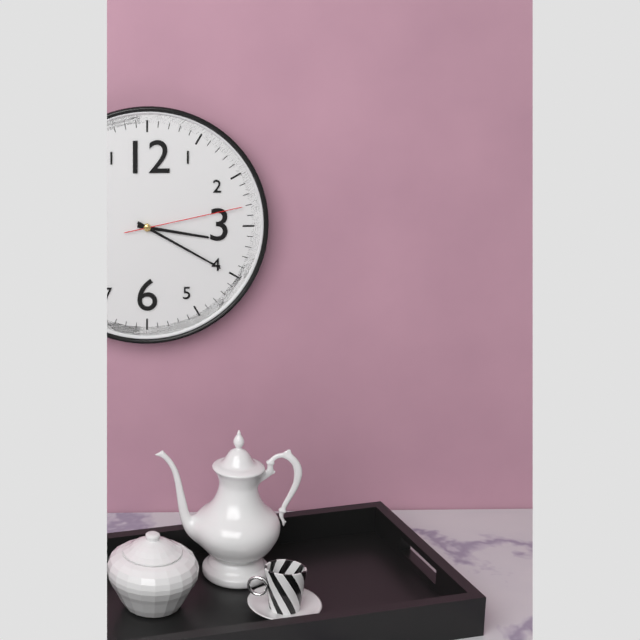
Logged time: 3 h 20 min 13 s
